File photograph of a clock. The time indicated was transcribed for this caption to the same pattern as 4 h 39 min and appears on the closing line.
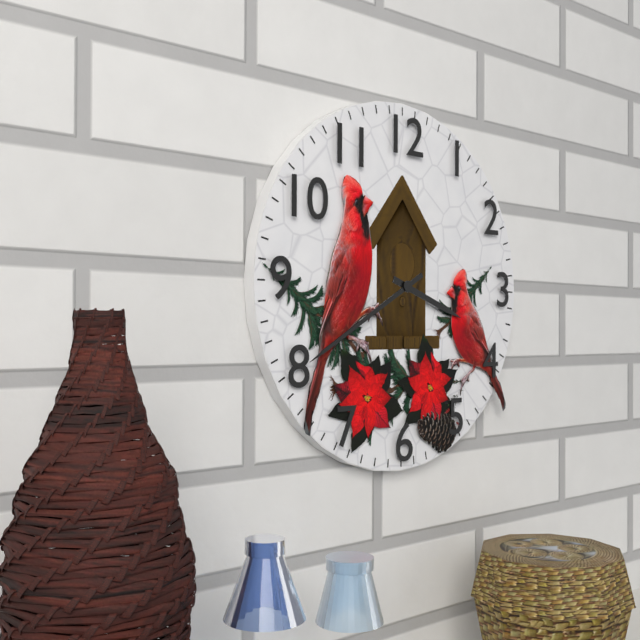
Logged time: 3 h 40 min
